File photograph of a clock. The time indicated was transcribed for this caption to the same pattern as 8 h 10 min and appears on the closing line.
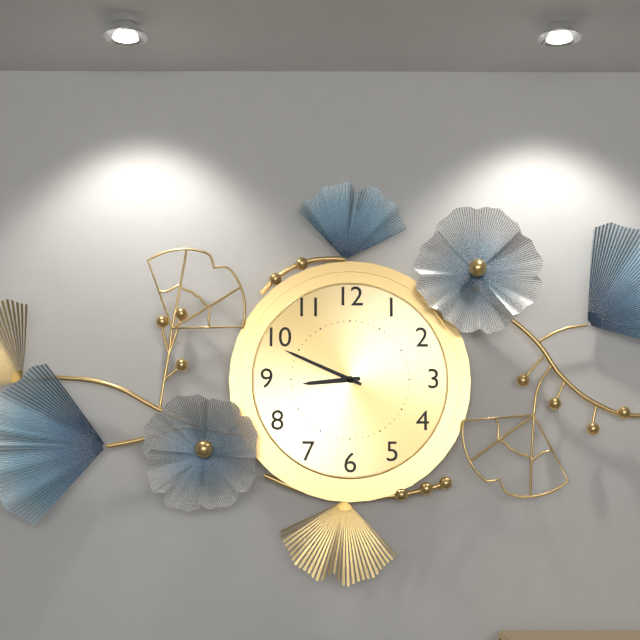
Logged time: 8 h 49 min
